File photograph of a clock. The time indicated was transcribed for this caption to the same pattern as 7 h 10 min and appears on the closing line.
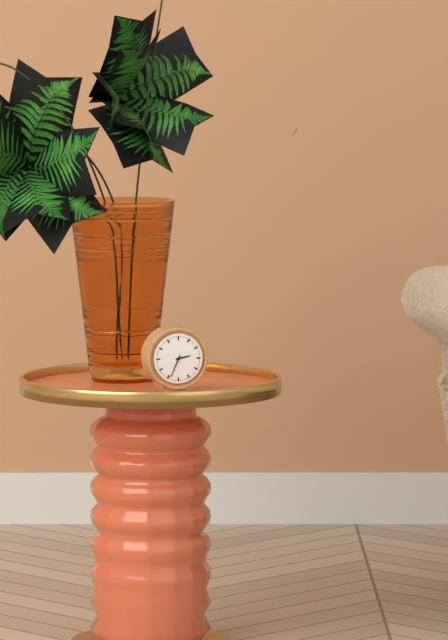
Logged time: 2 h 34 min
